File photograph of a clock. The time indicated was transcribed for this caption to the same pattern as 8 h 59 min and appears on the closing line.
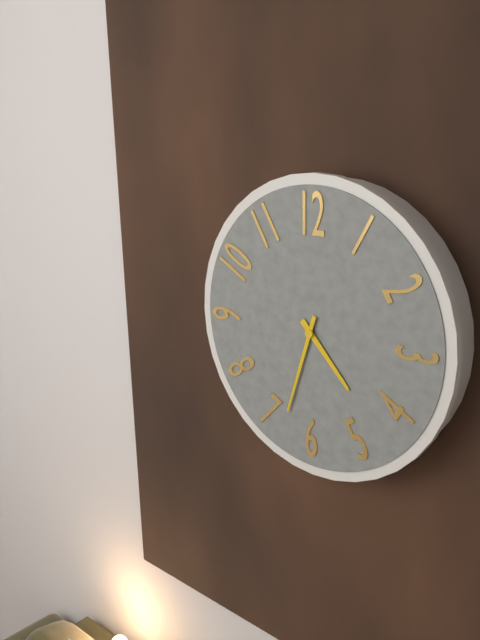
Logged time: 4 h 33 min
